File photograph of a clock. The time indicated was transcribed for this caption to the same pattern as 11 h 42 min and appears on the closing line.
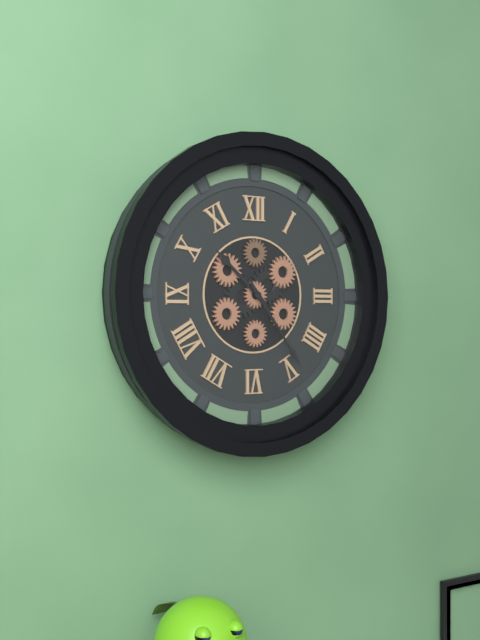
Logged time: 10 h 24 min
